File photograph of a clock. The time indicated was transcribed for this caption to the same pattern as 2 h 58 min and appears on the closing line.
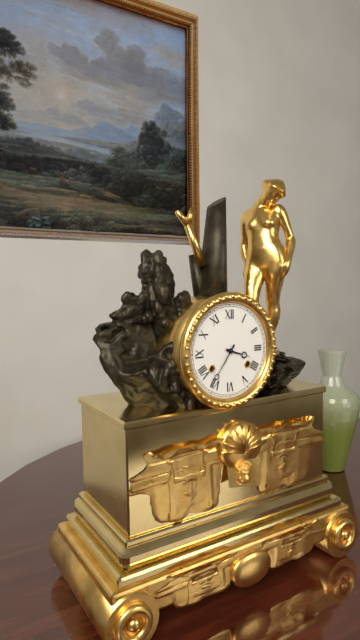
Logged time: 3 h 36 min
